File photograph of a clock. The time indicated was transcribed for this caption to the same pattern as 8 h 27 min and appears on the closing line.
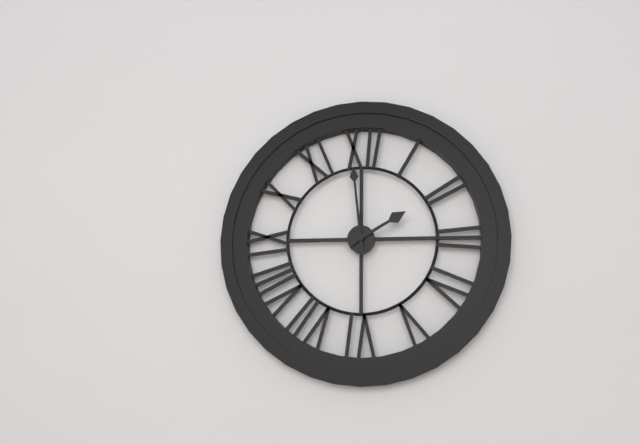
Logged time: 1 h 59 min
